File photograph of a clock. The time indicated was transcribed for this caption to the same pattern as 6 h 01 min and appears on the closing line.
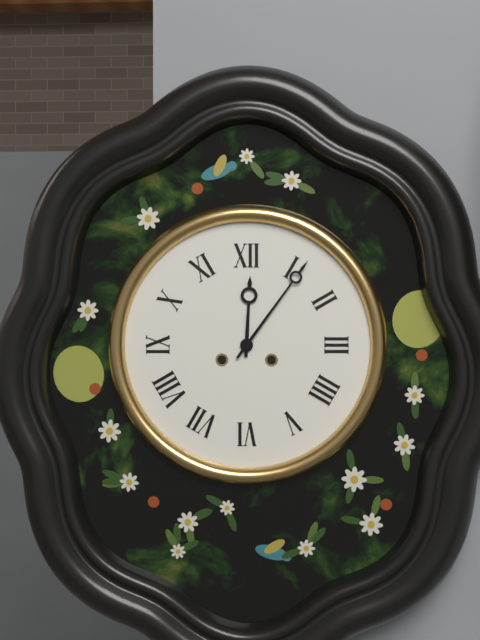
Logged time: 12 h 06 min
